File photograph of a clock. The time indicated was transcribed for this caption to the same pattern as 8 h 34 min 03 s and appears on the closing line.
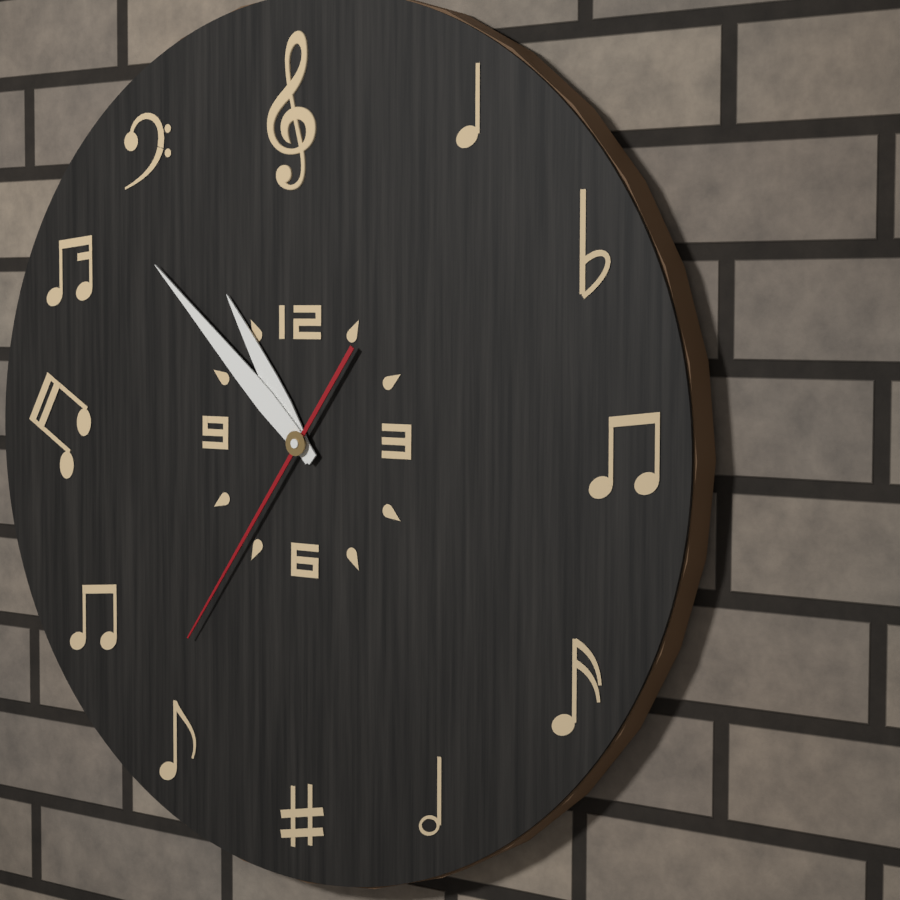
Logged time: 10 h 52 min 36 s
